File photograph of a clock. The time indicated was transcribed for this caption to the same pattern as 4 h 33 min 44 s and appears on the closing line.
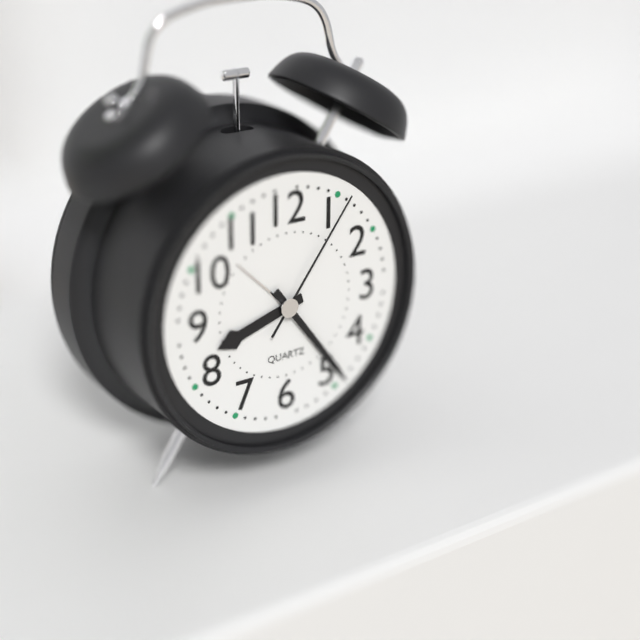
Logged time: 8 h 24 min 06 s
